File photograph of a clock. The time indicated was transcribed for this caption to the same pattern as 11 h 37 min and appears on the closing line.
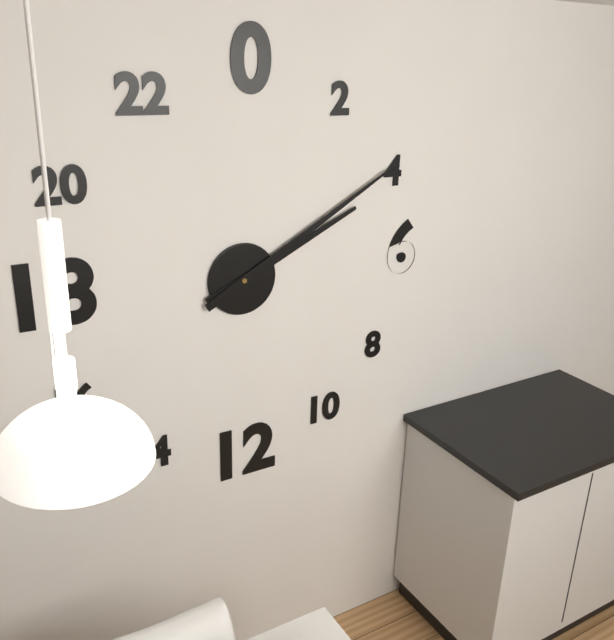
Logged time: 2 h 10 min
